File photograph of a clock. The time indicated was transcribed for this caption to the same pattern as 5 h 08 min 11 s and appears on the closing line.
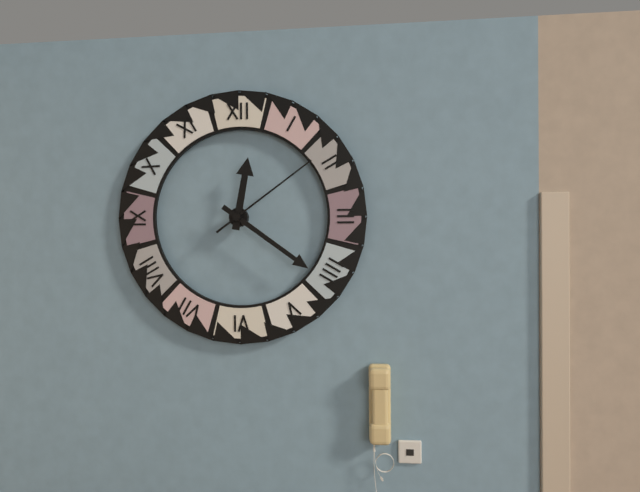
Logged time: 12 h 21 min 09 s
